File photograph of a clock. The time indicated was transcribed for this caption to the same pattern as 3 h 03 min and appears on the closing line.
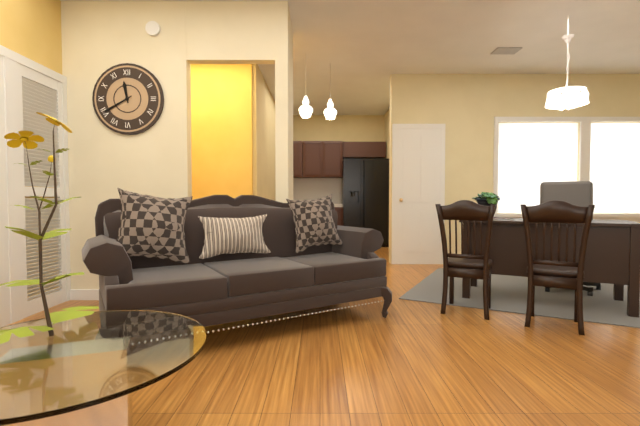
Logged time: 11 h 40 min
